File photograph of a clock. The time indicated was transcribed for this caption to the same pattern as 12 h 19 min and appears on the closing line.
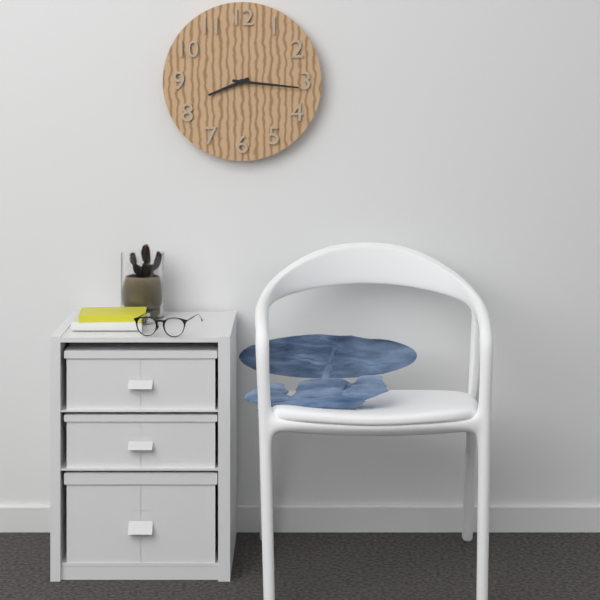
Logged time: 8 h 16 min
